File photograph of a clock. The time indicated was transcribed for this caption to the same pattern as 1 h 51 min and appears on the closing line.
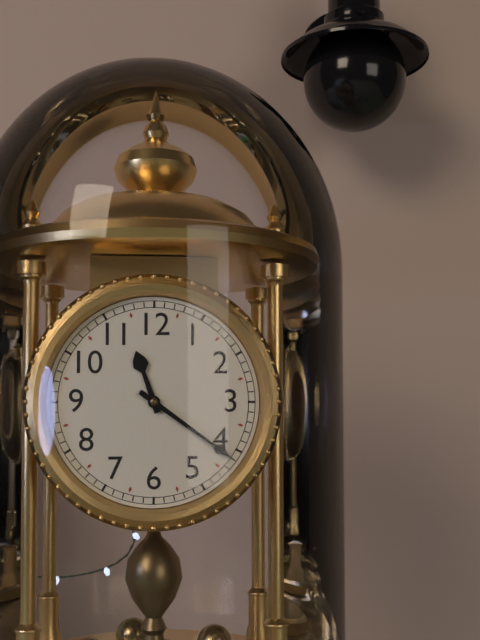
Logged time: 11 h 21 min
